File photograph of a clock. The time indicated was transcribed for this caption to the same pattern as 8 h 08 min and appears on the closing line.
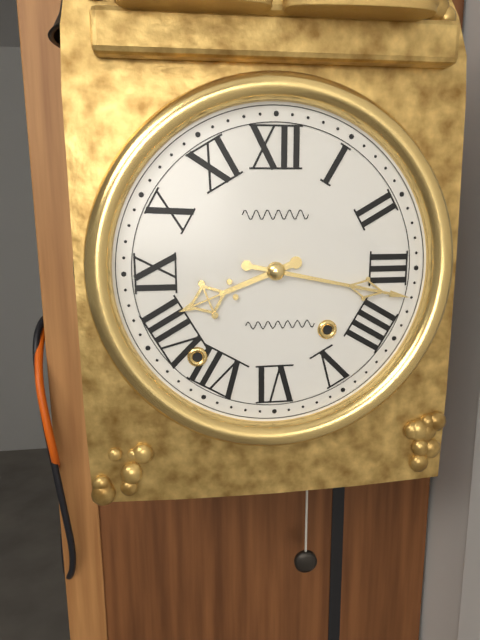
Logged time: 8 h 17 min
